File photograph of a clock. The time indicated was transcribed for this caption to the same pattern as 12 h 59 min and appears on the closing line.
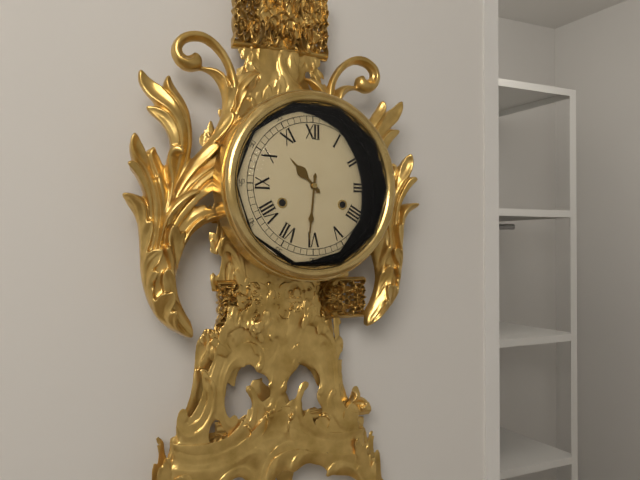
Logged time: 10 h 31 min
